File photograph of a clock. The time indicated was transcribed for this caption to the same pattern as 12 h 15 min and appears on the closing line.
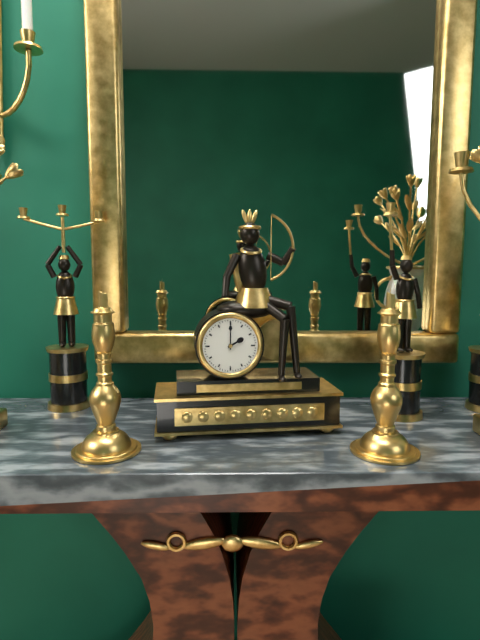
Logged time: 2 h 00 min
